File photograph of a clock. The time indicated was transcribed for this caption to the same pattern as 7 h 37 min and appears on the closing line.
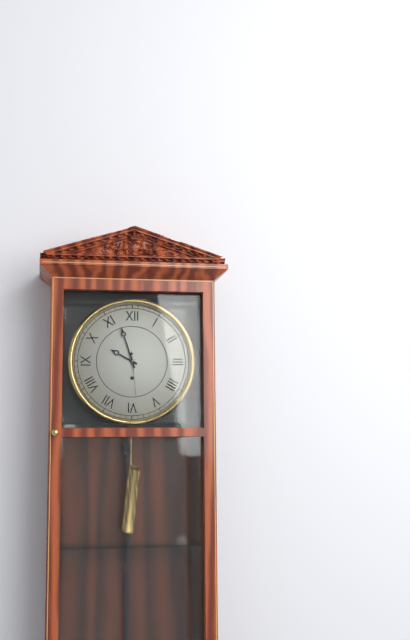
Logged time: 9 h 57 min
